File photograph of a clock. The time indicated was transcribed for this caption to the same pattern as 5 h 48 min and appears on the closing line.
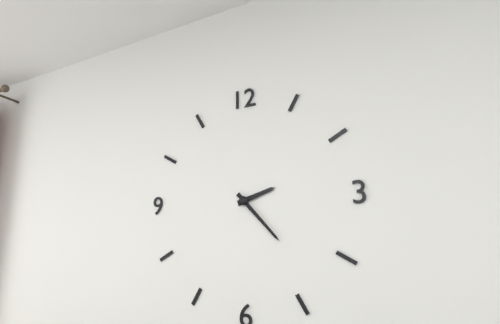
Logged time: 2 h 23 min
